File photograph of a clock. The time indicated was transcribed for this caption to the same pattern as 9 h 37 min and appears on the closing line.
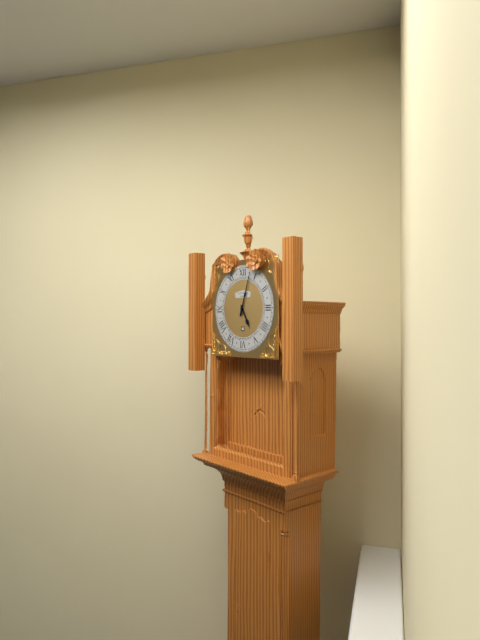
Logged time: 5 h 03 min
